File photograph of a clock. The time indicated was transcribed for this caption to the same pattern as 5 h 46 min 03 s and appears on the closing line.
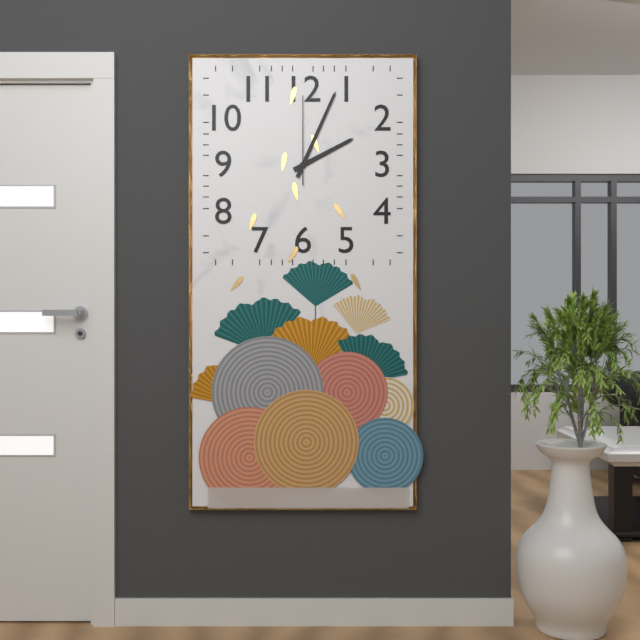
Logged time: 2 h 04 min 00 s
